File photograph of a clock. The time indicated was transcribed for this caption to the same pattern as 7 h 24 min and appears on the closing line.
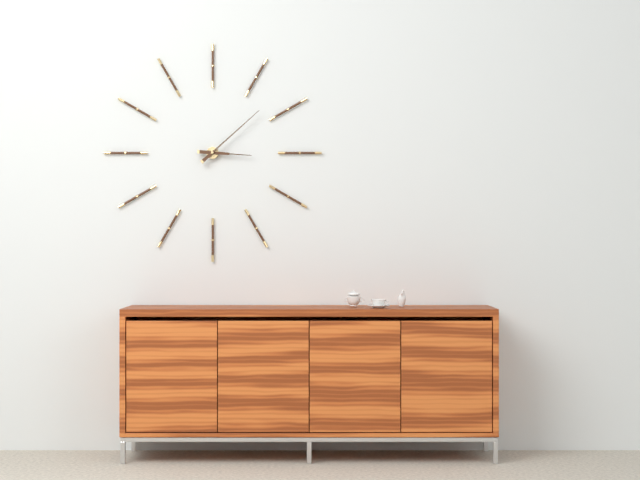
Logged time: 3 h 08 min
